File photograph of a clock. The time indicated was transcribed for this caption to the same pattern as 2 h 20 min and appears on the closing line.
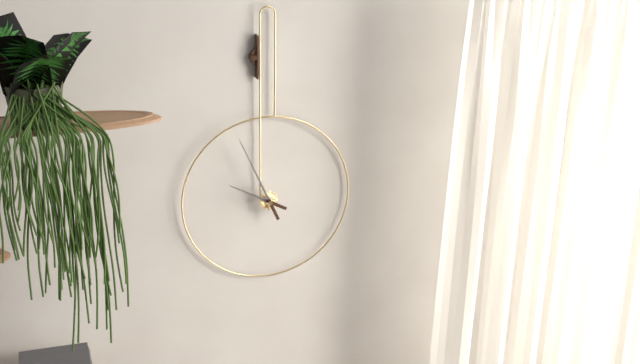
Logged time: 9 h 56 min
